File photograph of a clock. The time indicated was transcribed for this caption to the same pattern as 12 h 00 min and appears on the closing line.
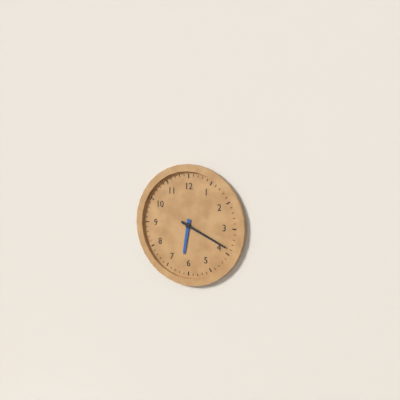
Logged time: 6 h 19 min
